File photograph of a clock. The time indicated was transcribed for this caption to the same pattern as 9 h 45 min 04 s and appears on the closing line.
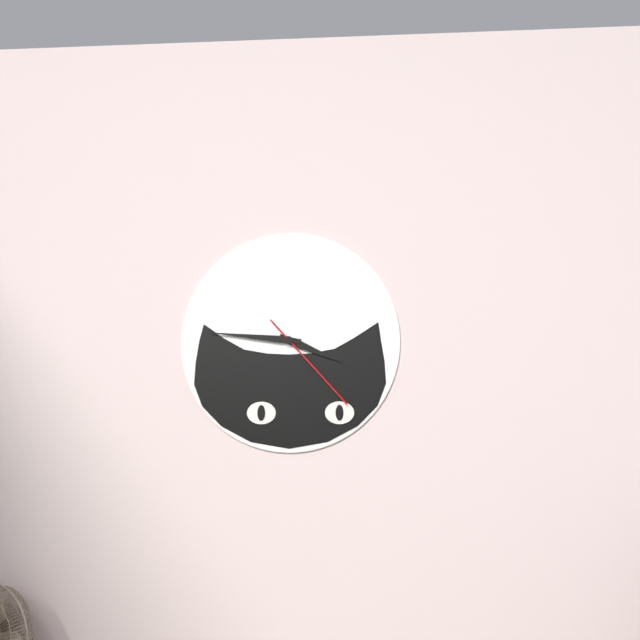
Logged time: 3 h 46 min 23 s
